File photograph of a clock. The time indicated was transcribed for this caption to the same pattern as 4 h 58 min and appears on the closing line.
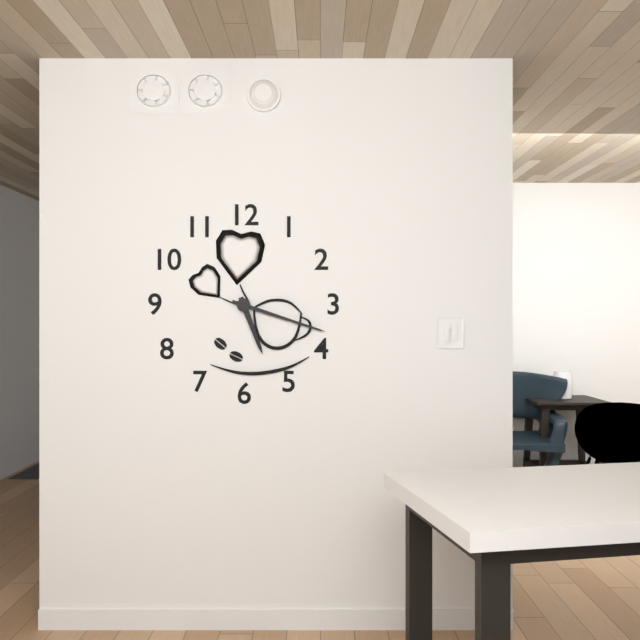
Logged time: 5 h 18 min
